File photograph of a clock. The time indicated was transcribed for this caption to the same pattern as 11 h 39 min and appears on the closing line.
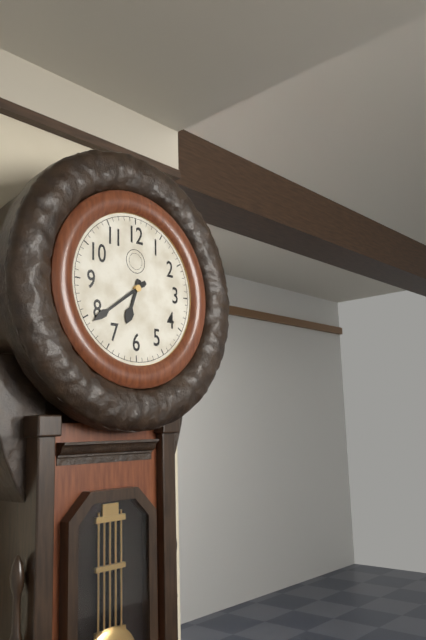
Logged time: 6 h 39 min
